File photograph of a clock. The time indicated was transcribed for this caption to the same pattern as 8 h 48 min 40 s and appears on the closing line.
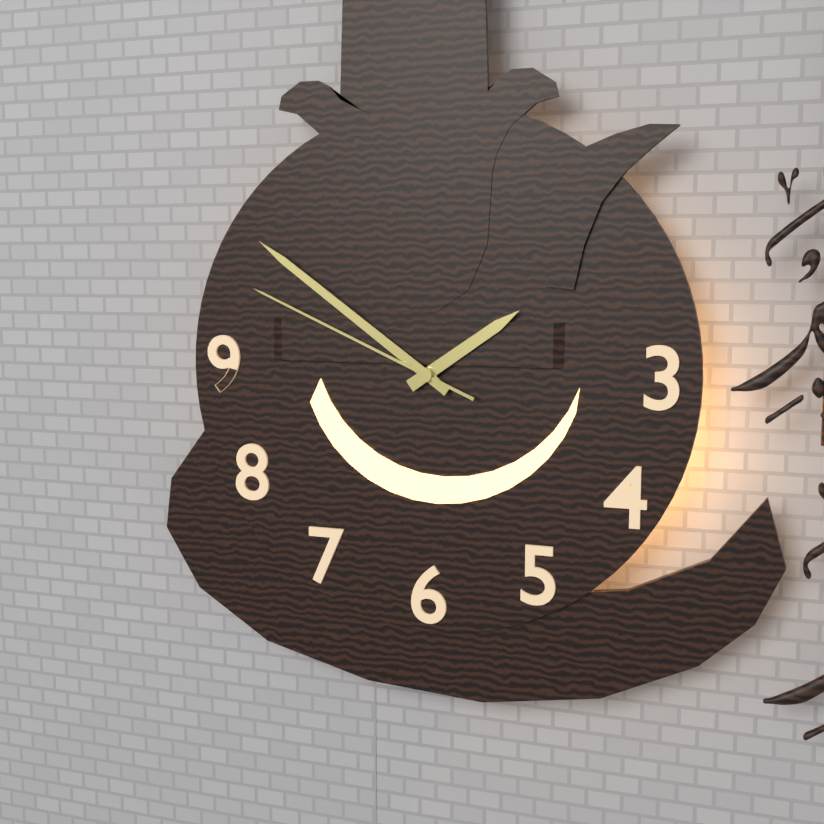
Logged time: 1 h 51 min 49 s
